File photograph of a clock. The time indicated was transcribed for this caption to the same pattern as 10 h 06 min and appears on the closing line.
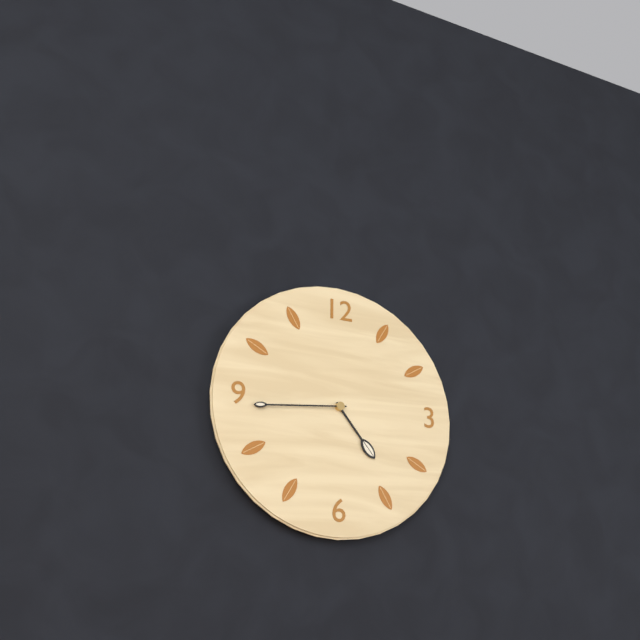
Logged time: 4 h 44 min
